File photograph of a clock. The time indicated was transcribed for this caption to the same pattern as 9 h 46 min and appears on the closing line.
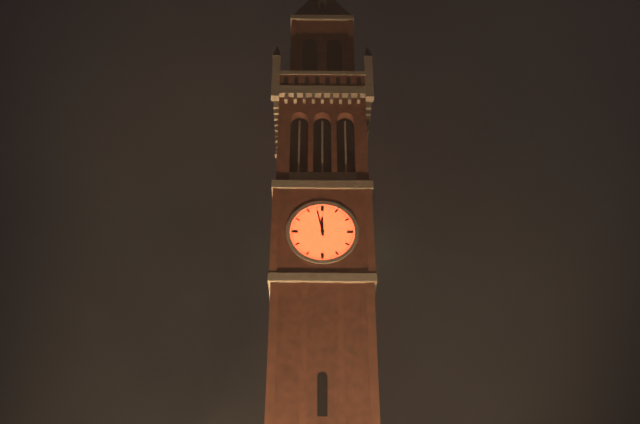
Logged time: 11 h 58 min
